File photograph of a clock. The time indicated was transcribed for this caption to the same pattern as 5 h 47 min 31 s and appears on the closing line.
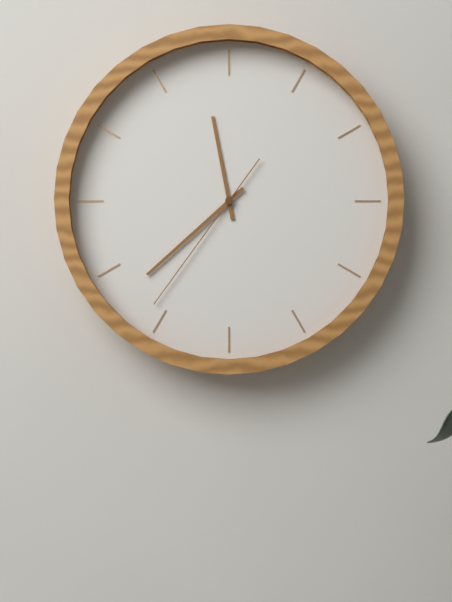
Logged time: 11 h 38 min 36 s
